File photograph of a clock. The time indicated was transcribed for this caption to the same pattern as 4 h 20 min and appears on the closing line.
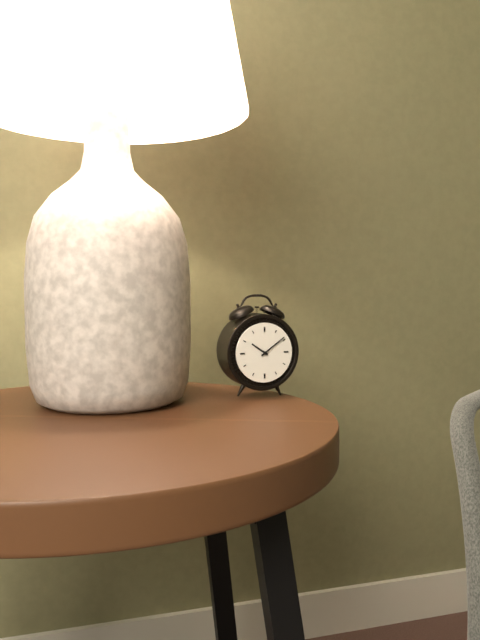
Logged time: 10 h 09 min
